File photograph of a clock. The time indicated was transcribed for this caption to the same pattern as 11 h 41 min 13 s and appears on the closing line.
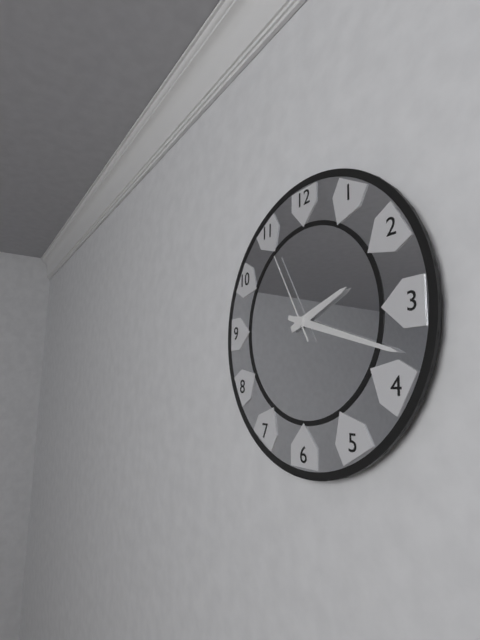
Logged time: 2 h 18 min 55 s
